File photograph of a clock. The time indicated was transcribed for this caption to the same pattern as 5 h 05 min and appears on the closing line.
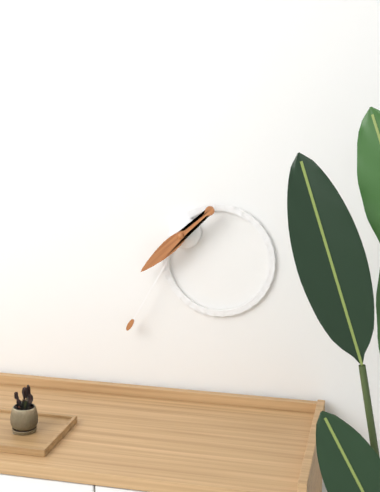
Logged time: 7 h 35 min
